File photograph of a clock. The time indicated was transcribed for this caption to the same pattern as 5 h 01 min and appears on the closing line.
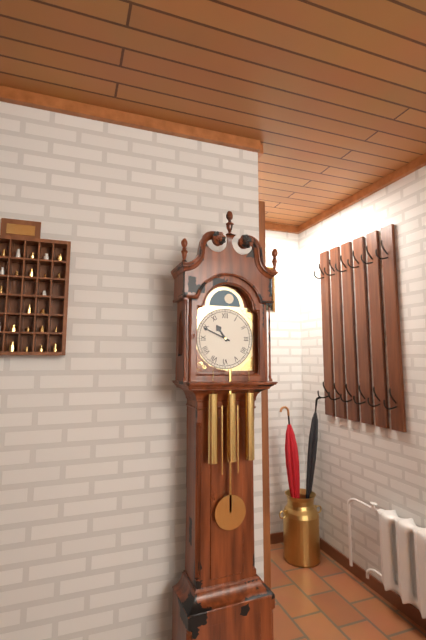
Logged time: 10 h 49 min
